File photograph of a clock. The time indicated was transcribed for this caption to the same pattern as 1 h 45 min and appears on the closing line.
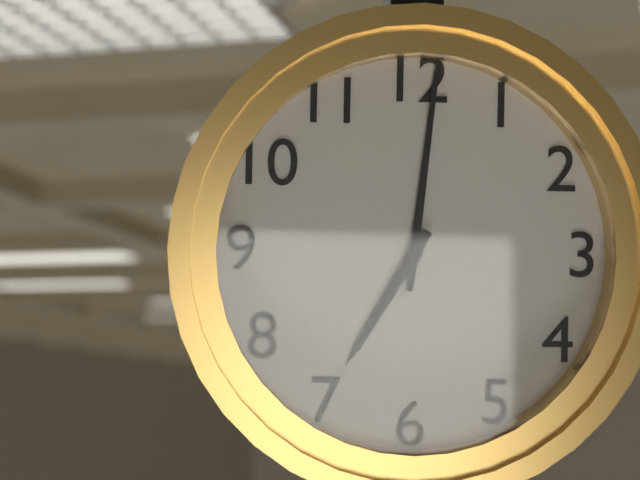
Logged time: 7 h 01 min
